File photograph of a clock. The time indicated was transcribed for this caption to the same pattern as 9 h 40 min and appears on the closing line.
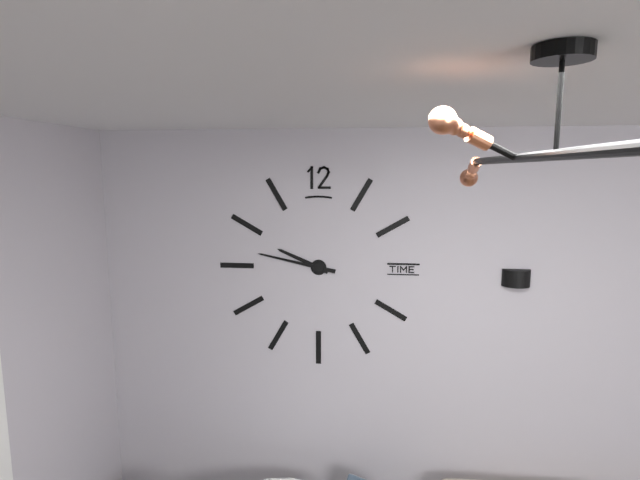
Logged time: 9 h 47 min
